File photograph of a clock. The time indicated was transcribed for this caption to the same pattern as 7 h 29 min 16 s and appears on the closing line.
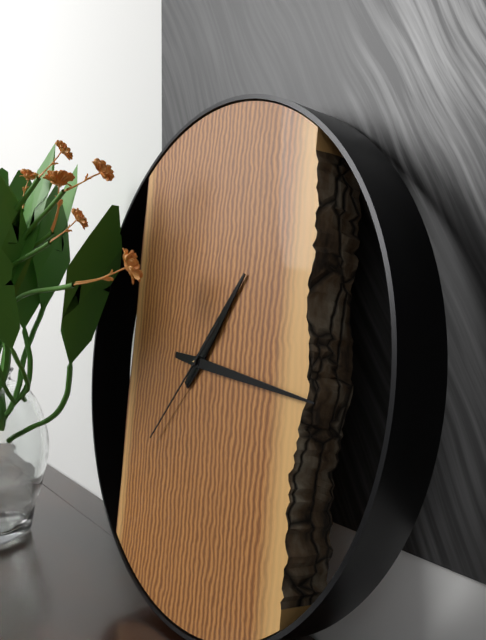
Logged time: 1 h 16 min 37 s
